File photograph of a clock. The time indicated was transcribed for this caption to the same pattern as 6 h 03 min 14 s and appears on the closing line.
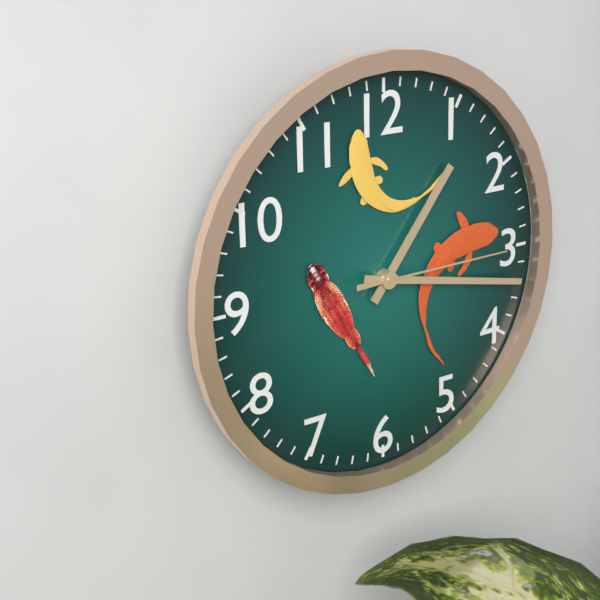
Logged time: 1 h 17 min 15 s
